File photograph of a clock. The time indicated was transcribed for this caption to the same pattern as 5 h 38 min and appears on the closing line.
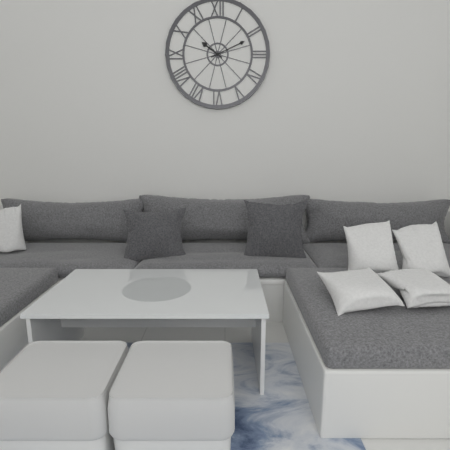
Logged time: 10 h 11 min
